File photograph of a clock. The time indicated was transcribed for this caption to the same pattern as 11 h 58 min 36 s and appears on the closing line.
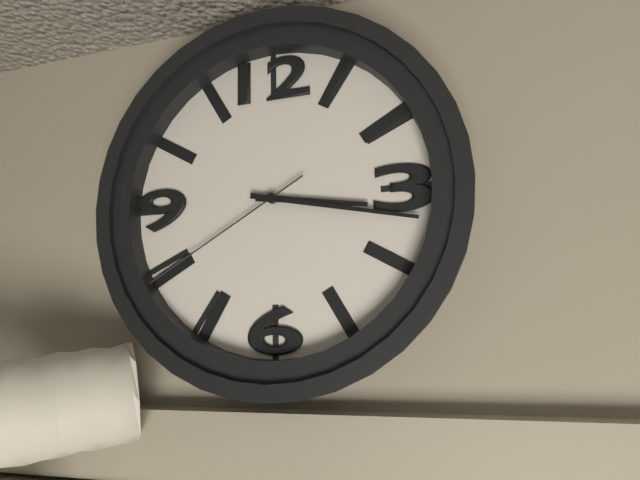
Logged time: 3 h 17 min 40 s
